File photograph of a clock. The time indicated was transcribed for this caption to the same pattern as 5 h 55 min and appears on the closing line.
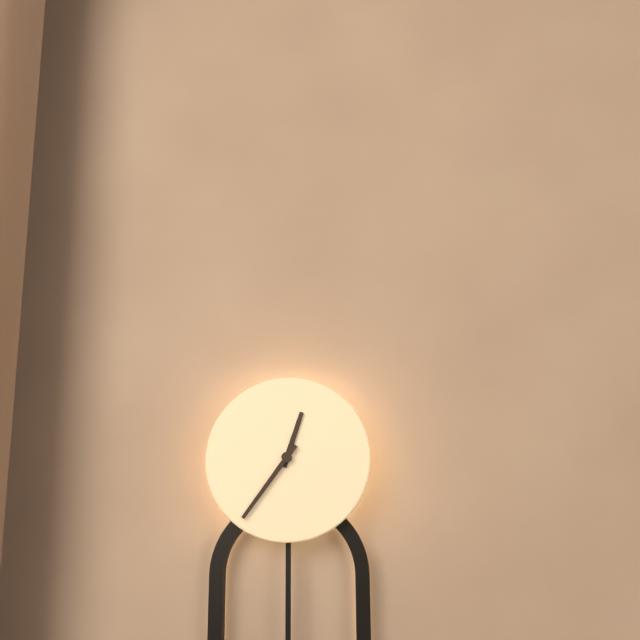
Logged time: 12 h 36 min
